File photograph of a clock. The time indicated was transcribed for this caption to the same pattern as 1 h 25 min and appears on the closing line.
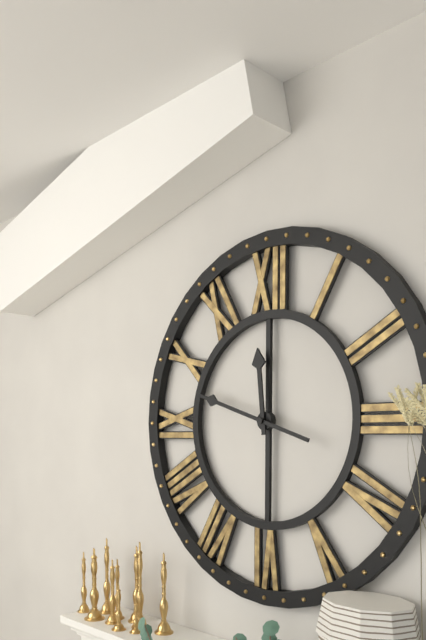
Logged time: 11 h 48 min
